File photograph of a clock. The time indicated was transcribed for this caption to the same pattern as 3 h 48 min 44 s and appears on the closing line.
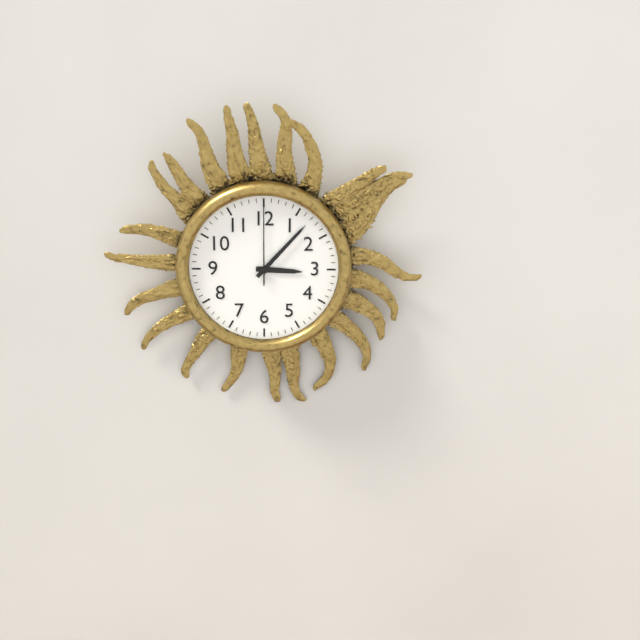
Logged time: 3 h 07 min 00 s
